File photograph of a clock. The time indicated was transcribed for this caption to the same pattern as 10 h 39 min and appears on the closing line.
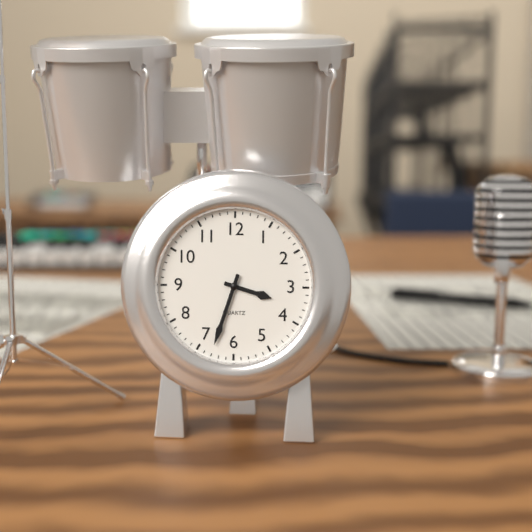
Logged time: 3 h 33 min
